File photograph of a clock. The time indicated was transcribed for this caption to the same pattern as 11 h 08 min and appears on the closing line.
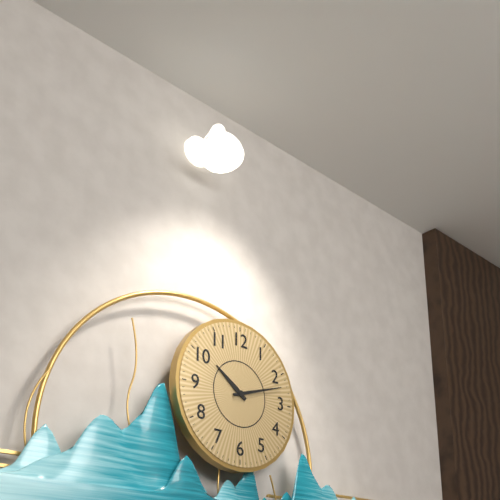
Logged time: 10 h 12 min
